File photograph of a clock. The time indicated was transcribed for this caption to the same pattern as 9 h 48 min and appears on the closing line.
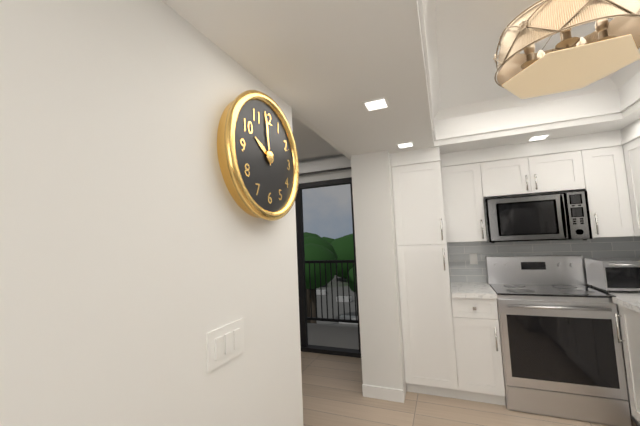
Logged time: 9 h 59 min
